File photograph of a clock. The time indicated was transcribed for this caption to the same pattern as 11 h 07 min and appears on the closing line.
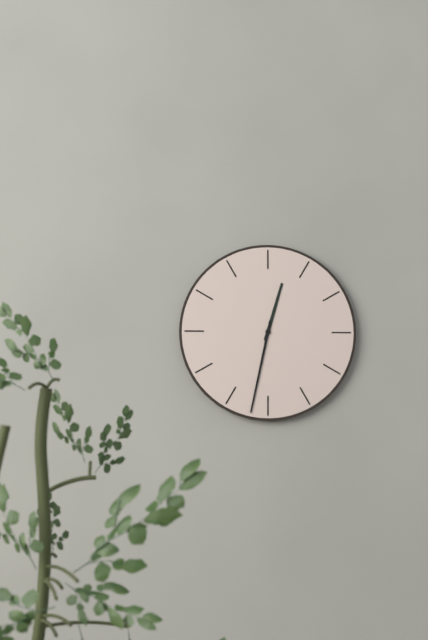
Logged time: 12 h 32 min
